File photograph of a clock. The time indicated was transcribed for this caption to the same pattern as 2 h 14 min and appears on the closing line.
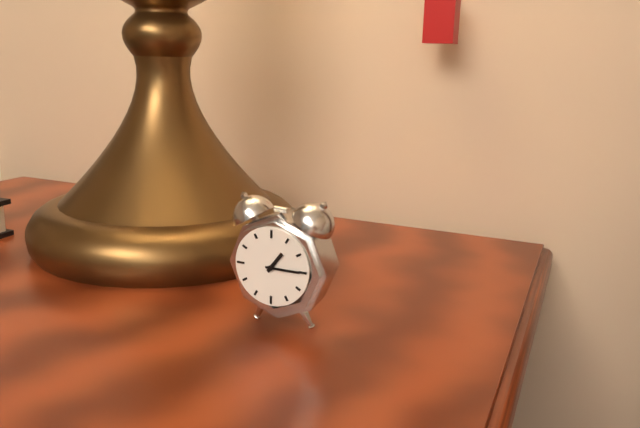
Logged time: 1 h 15 min
